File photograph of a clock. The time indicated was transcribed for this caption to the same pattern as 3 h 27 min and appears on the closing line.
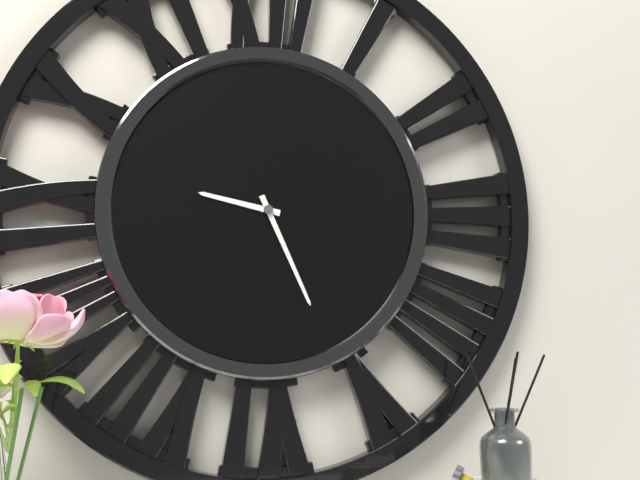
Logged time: 9 h 26 min
